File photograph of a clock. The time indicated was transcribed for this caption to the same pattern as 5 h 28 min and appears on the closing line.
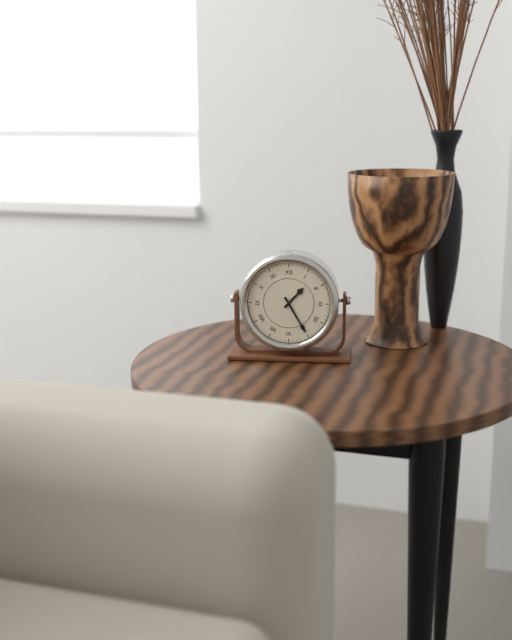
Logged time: 1 h 25 min
